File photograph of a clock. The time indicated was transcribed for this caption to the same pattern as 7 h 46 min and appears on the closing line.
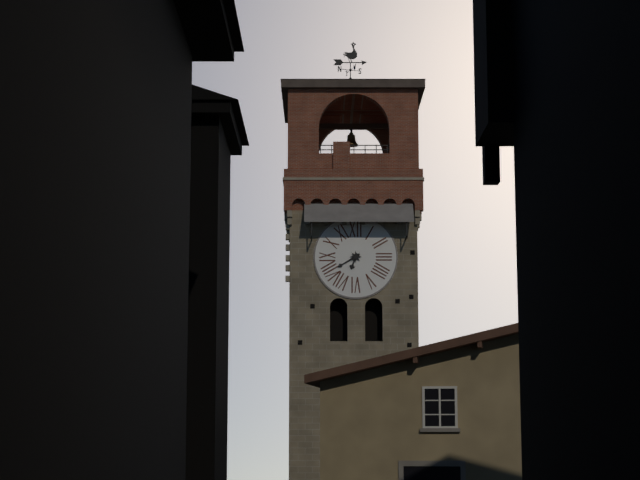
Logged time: 6 h 40 min
